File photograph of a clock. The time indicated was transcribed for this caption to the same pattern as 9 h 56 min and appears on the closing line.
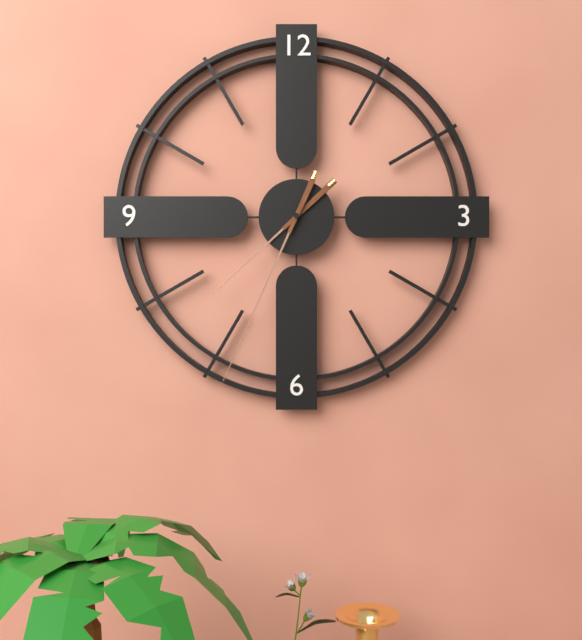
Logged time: 7 h 34 min
